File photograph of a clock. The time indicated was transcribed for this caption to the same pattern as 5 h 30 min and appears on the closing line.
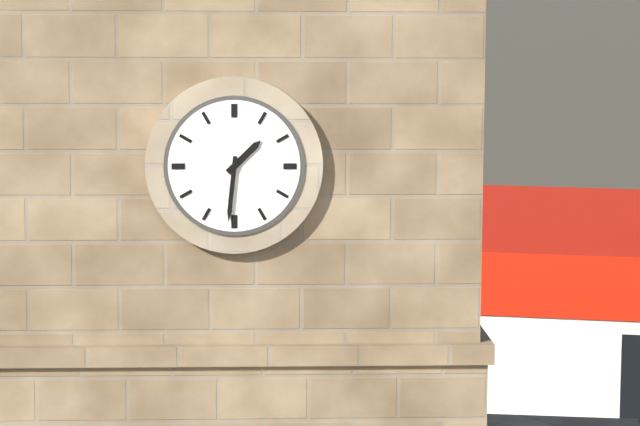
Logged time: 1 h 31 min
